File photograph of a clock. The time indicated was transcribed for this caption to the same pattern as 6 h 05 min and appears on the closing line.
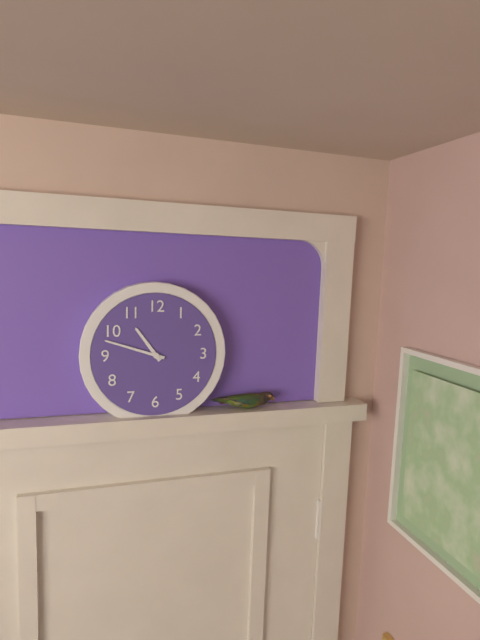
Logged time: 10 h 48 min
